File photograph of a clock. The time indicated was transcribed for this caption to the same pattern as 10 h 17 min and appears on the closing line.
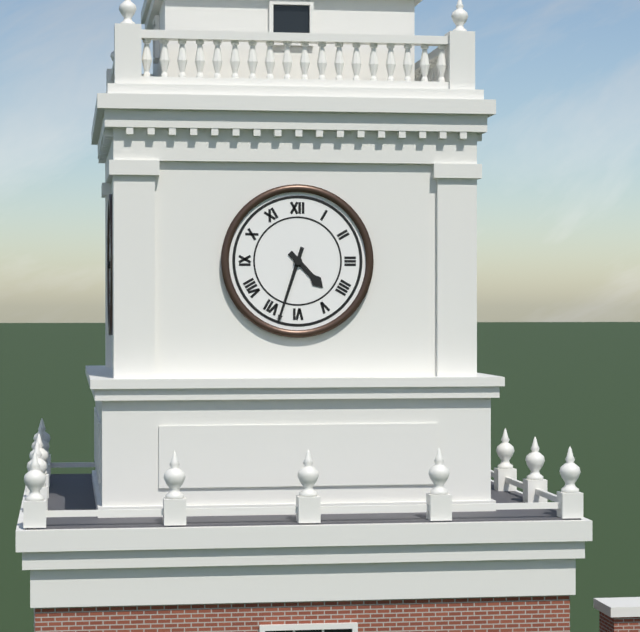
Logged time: 4 h 33 min
